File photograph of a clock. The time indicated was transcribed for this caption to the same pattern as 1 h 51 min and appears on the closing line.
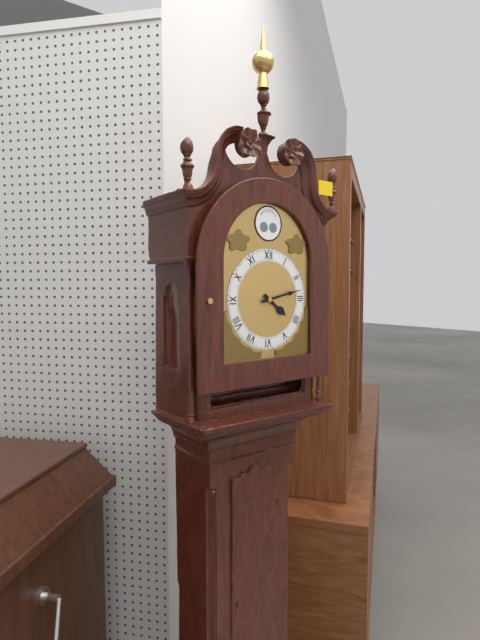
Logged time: 4 h 13 min
